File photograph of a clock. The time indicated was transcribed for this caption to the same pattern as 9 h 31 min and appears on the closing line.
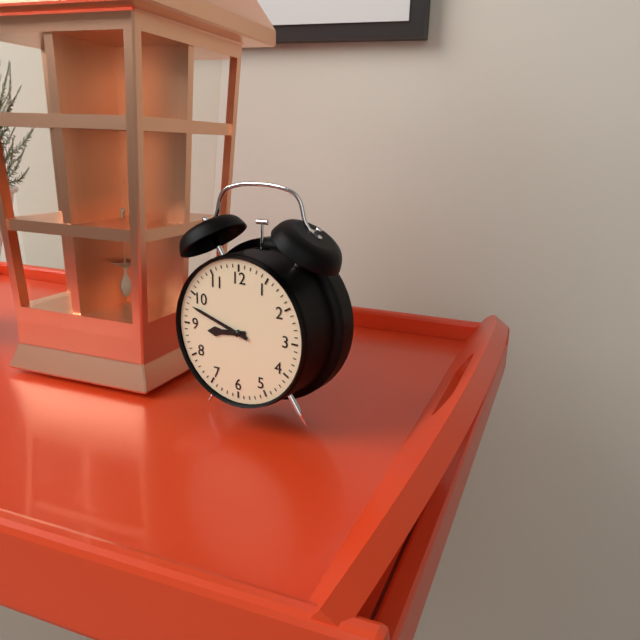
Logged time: 8 h 48 min
